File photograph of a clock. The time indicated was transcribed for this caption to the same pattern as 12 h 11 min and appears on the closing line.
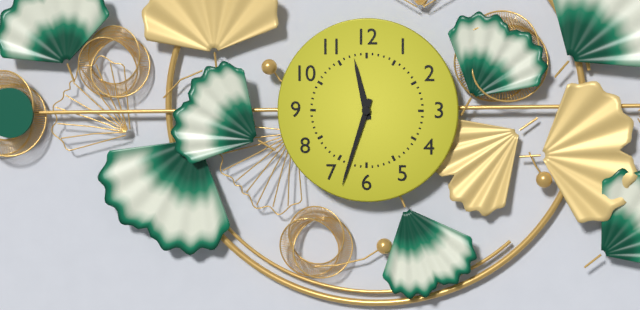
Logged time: 11 h 33 min
